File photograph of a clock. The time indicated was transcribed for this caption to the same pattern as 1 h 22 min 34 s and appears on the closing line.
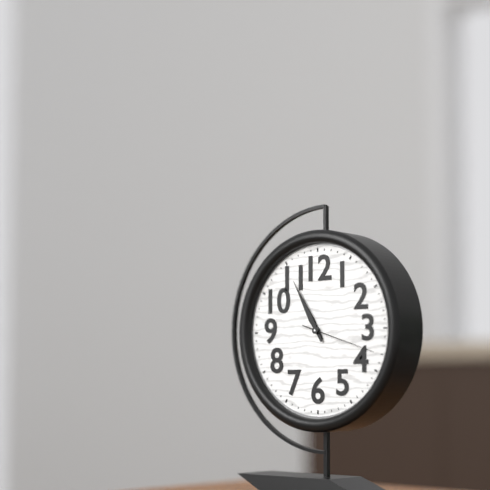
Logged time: 10 h 55 min 18 s
